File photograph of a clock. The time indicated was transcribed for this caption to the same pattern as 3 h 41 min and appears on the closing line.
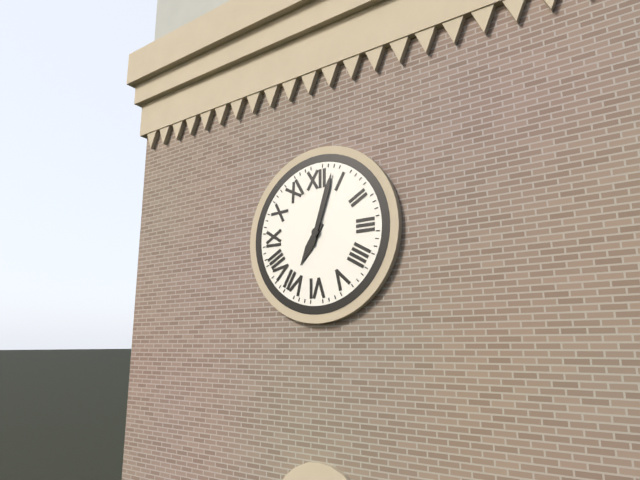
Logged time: 7 h 03 min
